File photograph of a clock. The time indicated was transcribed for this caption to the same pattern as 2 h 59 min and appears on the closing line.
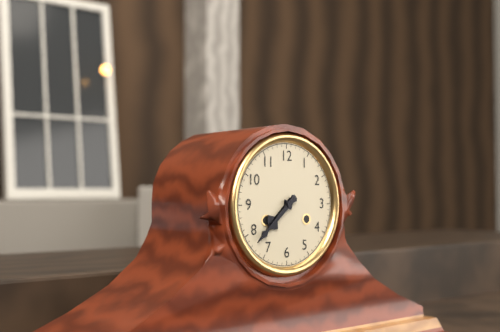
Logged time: 7 h 38 min
